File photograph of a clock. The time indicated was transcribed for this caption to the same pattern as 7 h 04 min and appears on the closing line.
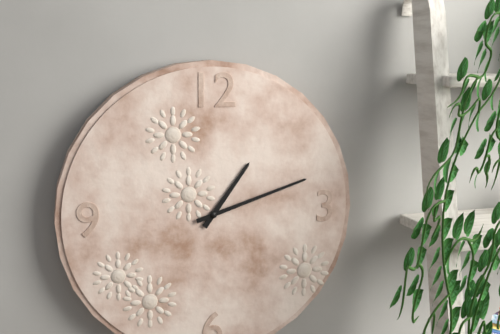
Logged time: 1 h 12 min
